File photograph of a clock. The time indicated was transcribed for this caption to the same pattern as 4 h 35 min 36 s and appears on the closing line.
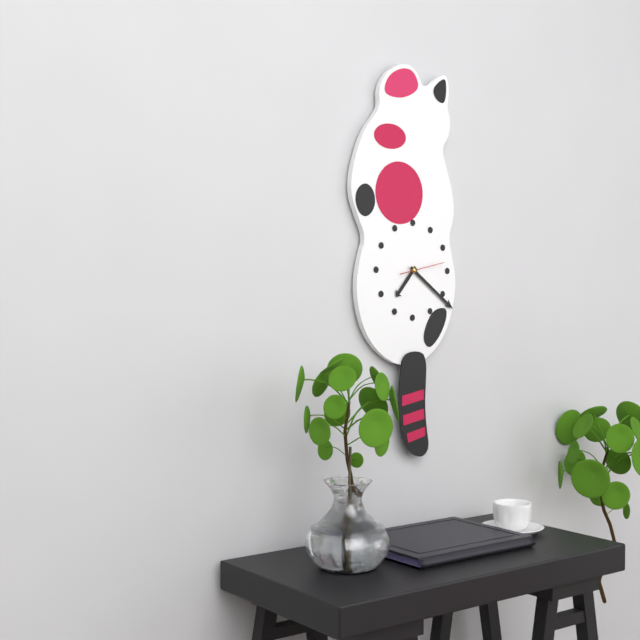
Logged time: 7 h 21 min 13 s
